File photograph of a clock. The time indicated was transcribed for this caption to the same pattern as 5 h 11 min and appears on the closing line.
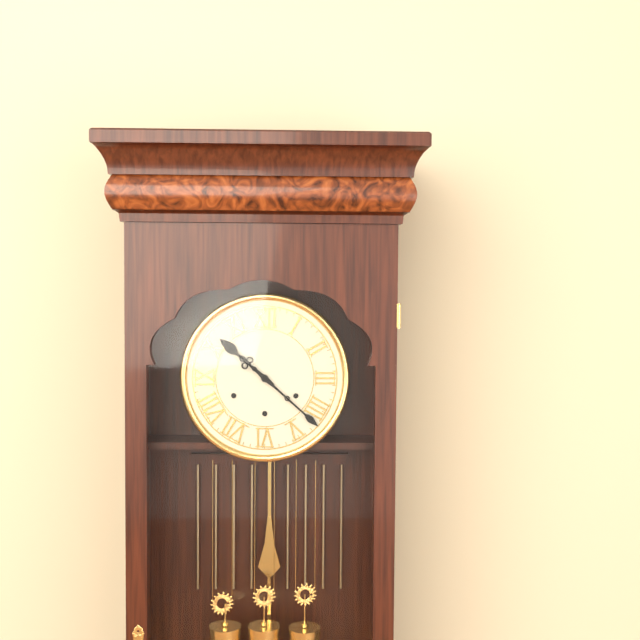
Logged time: 10 h 22 min
